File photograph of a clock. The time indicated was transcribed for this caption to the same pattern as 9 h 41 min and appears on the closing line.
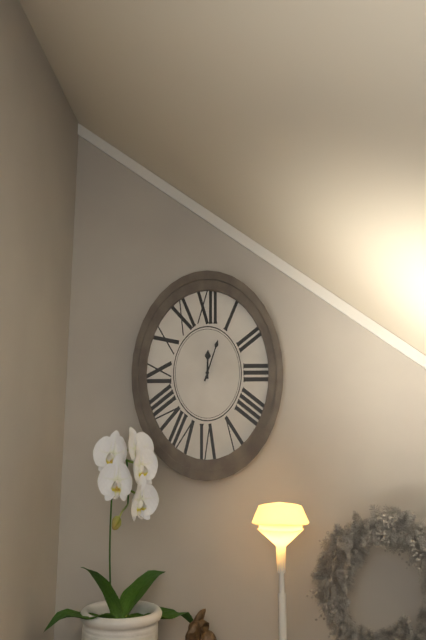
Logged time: 12 h 03 min
